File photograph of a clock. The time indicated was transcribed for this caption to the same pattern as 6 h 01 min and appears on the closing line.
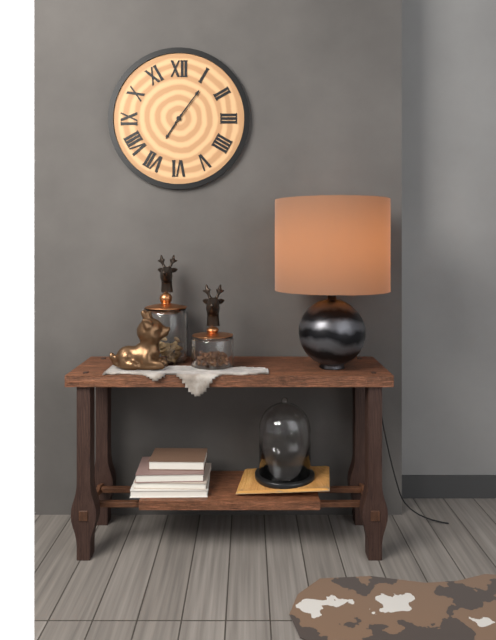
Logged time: 7 h 06 min
